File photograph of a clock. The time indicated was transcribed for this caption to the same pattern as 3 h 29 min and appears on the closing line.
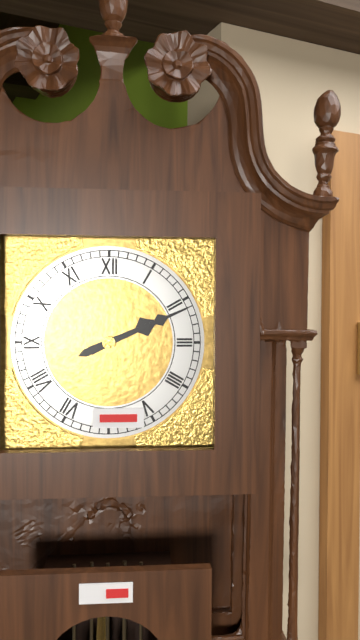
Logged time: 2 h 11 min
